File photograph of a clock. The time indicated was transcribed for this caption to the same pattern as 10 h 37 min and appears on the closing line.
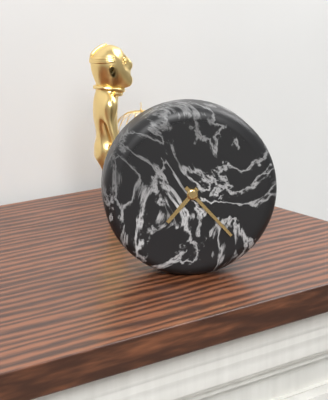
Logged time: 7 h 23 min
